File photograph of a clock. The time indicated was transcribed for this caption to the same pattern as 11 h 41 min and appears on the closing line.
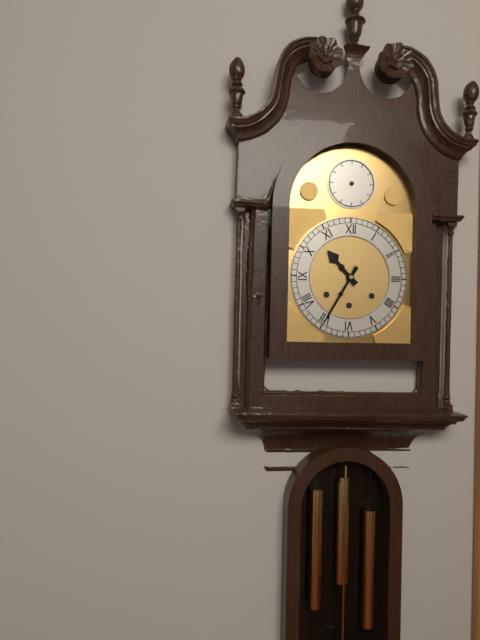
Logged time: 10 h 35 min
